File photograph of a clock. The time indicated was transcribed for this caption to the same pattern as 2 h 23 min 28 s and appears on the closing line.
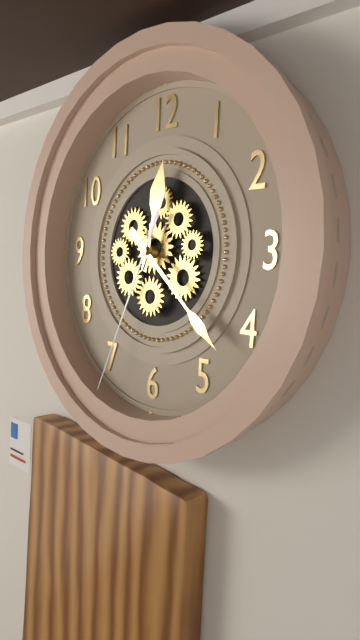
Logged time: 12 h 22 min 34 s
